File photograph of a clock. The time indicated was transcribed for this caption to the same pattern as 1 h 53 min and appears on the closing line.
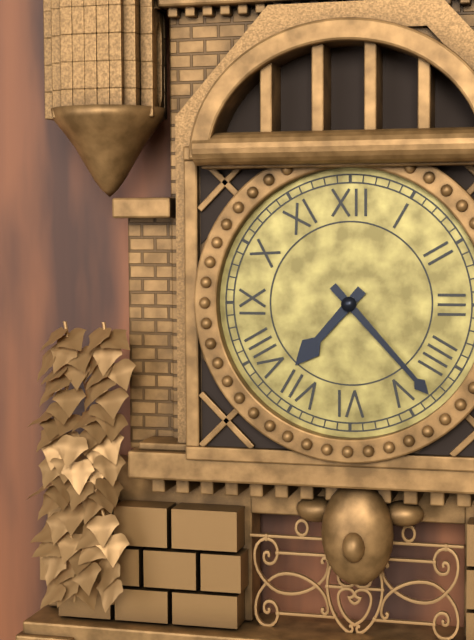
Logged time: 7 h 23 min
